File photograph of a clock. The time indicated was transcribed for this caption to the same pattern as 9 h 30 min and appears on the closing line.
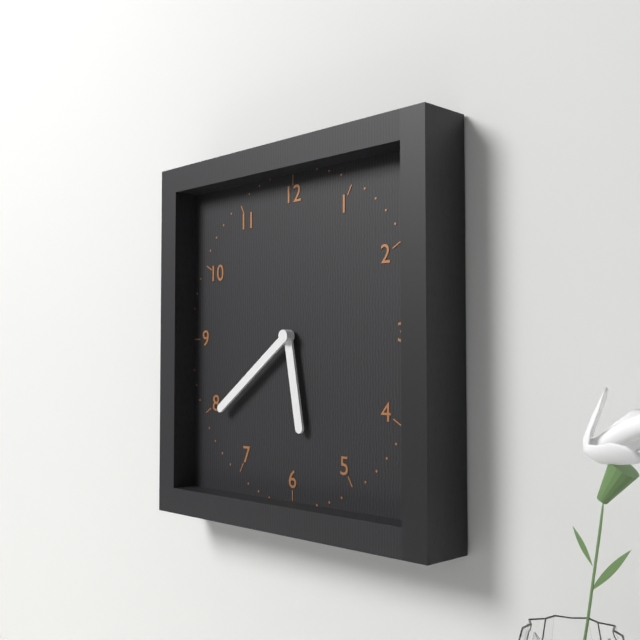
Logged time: 5 h 39 min
